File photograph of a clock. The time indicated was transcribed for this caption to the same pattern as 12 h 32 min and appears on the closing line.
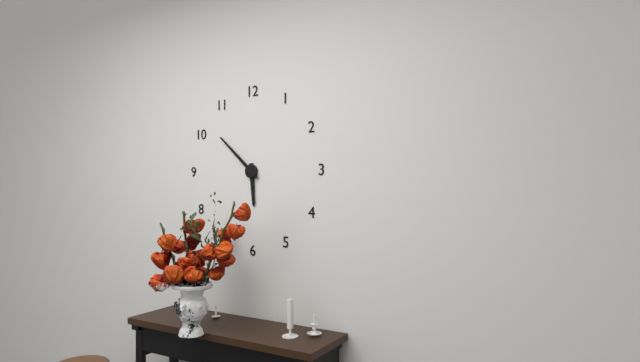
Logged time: 5 h 52 min
